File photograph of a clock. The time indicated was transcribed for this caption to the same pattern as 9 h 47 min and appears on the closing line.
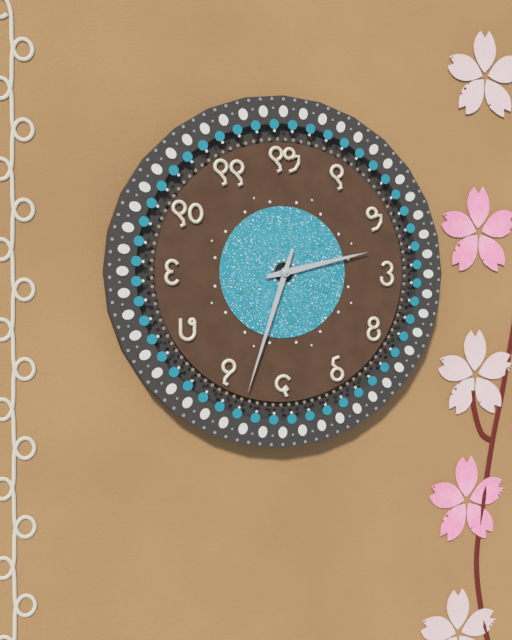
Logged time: 2 h 33 min
